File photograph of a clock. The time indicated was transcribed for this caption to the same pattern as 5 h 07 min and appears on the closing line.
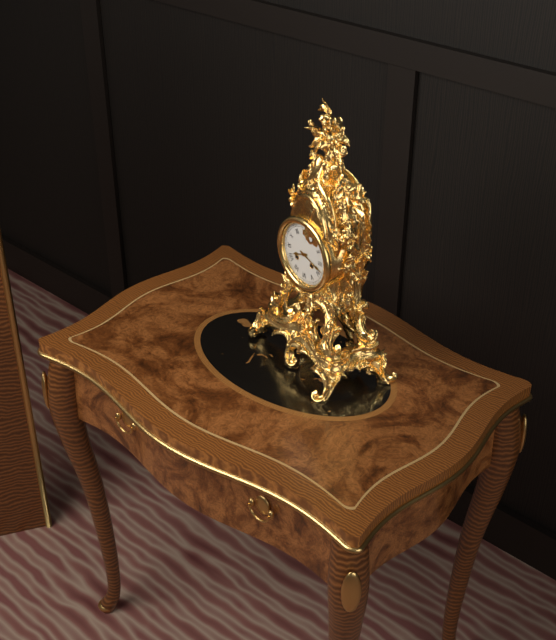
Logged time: 8 h 18 min
